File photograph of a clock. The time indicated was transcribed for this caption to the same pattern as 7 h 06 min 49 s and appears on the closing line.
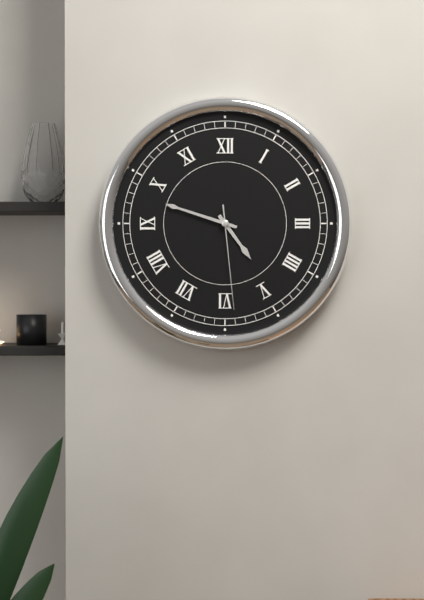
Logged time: 4 h 48 min 29 s
